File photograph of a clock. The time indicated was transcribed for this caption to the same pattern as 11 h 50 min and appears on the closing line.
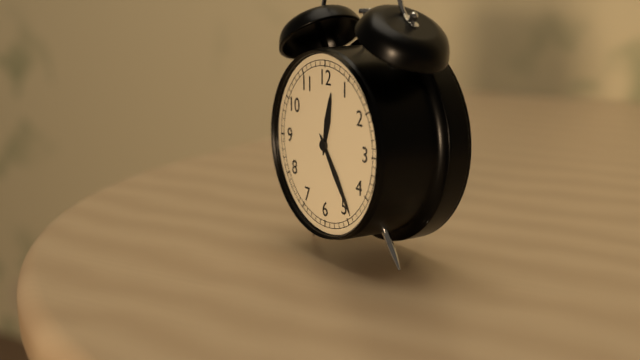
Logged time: 12 h 24 min
